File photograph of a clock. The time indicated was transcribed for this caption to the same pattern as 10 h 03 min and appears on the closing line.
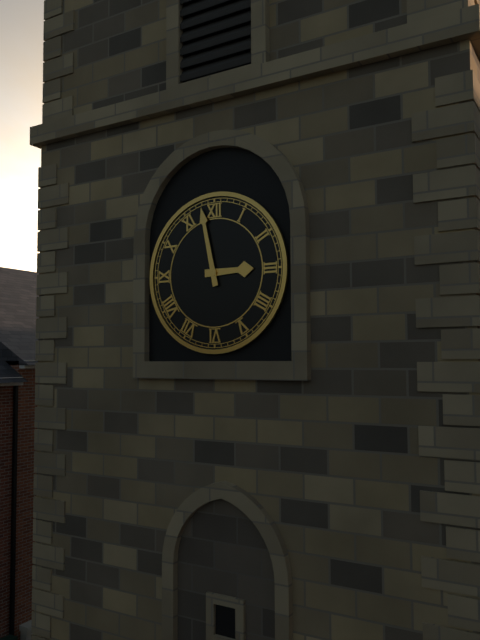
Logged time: 2 h 58 min
